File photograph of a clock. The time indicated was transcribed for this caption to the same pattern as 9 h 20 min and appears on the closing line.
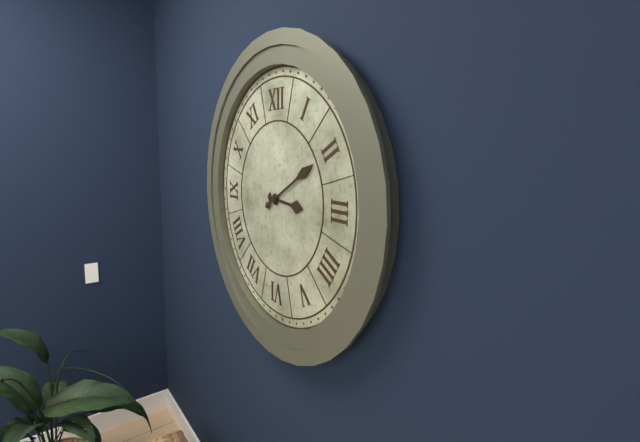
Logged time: 3 h 10 min
